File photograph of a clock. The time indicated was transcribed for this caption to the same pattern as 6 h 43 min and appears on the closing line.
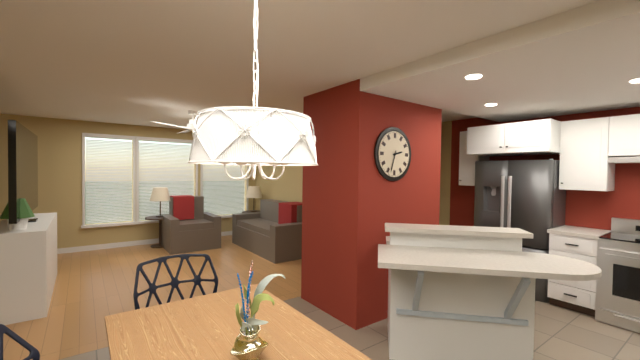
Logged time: 2 h 33 min
